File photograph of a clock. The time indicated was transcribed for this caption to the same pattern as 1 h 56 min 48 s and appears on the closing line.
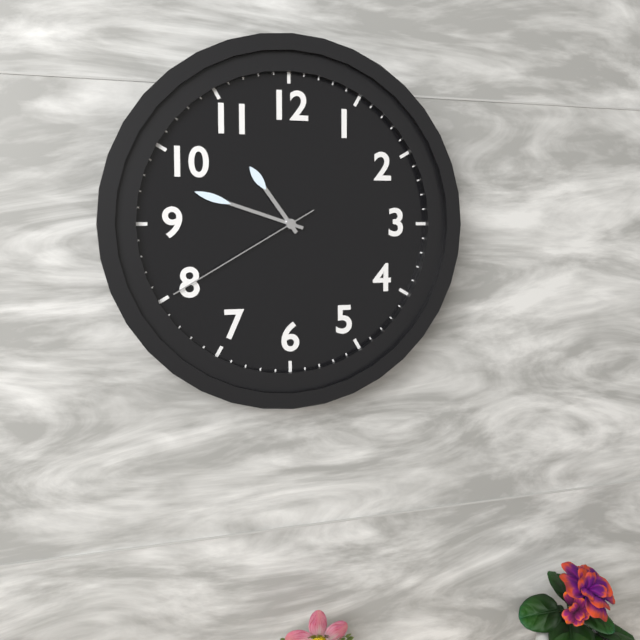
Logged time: 10 h 48 min 40 s
